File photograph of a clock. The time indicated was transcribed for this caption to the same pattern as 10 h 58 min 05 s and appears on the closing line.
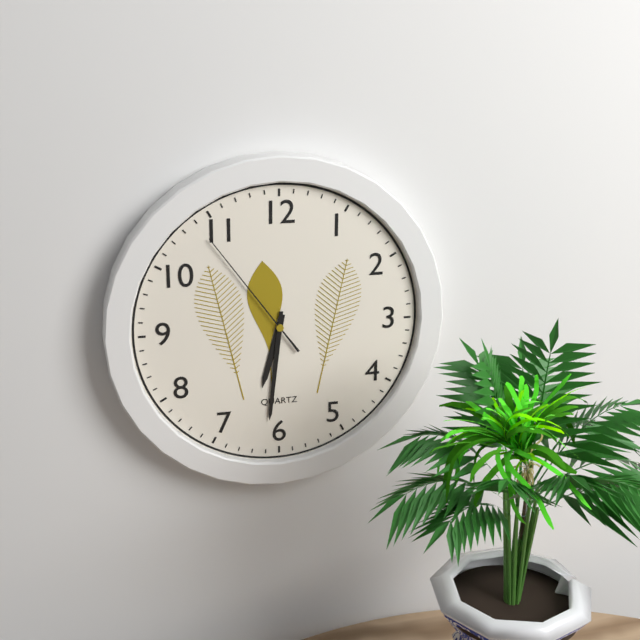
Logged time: 6 h 31 min 54 s
